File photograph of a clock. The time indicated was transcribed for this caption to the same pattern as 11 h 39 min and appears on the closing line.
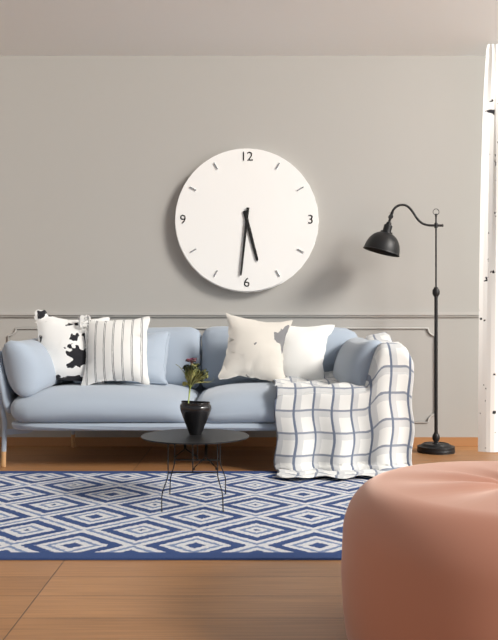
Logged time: 5 h 31 min
